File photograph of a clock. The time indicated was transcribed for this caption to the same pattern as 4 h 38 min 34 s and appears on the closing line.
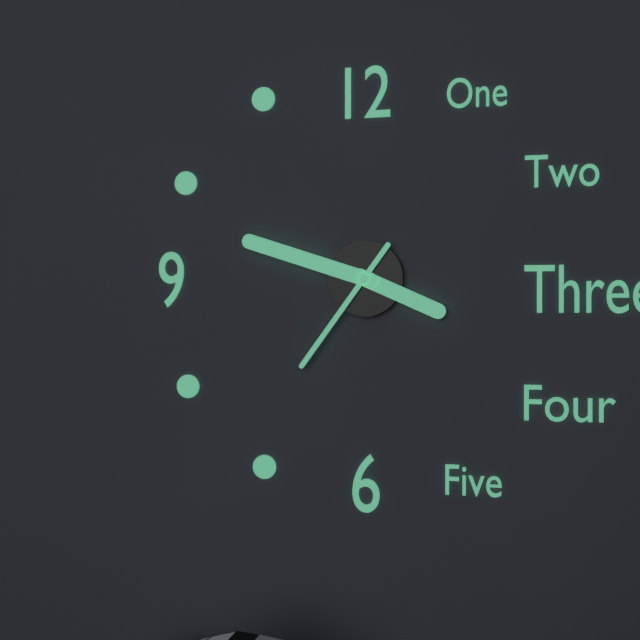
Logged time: 3 h 48 min 36 s
